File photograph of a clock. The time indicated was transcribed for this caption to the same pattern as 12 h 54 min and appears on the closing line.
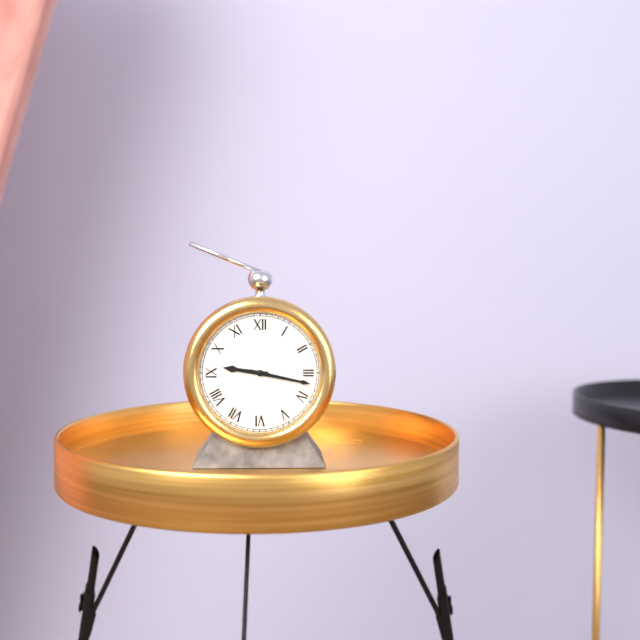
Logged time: 9 h 17 min
